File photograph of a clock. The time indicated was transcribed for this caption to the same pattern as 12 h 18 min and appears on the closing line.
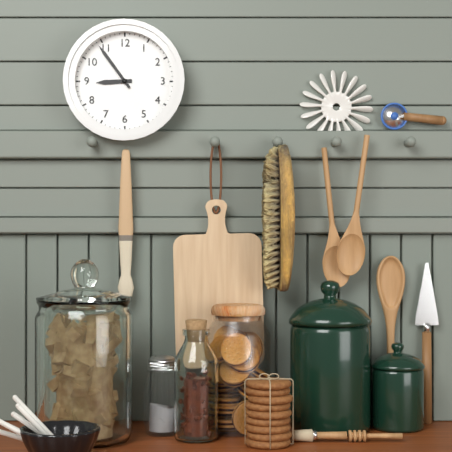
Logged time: 8 h 54 min
